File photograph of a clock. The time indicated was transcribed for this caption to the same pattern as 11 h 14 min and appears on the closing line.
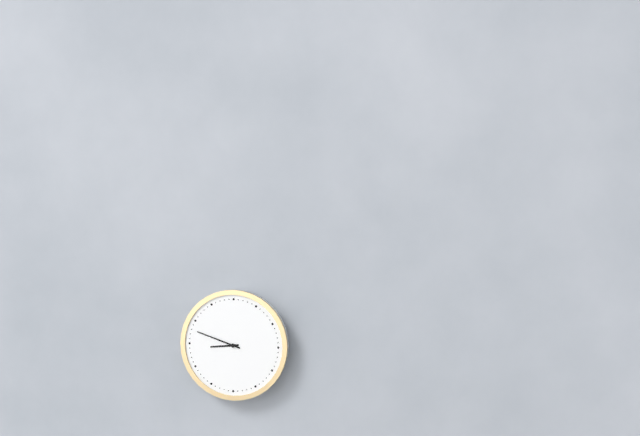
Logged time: 8 h 48 min
